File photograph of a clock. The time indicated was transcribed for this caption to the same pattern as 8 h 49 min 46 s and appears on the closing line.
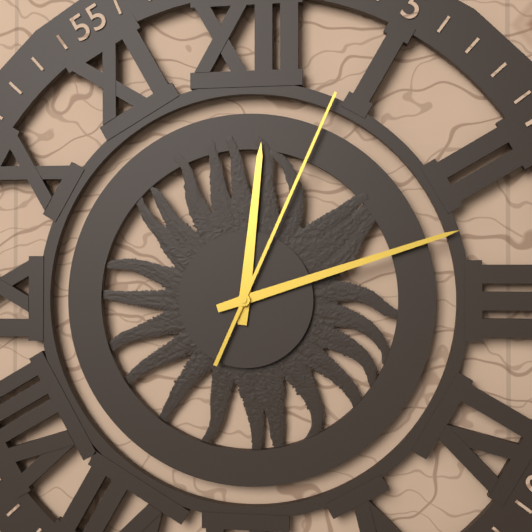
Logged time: 12 h 12 min 04 s
